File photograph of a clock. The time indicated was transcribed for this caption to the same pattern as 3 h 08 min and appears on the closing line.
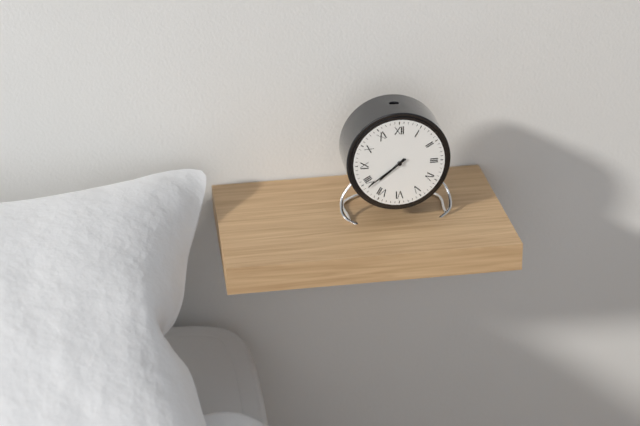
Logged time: 7 h 39 min
